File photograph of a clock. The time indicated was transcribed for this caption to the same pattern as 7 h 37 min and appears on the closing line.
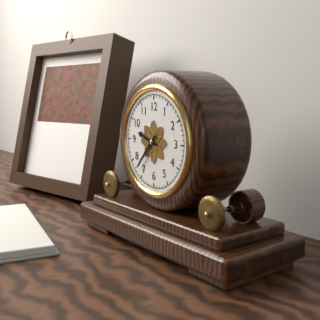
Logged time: 9 h 37 min
